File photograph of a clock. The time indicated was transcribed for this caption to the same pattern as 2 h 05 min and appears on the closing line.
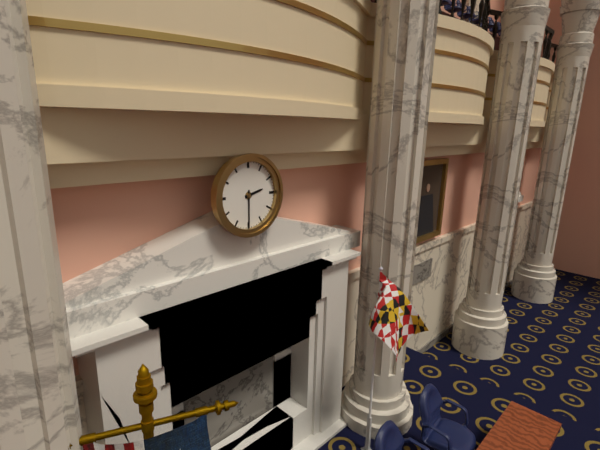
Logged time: 2 h 30 min
